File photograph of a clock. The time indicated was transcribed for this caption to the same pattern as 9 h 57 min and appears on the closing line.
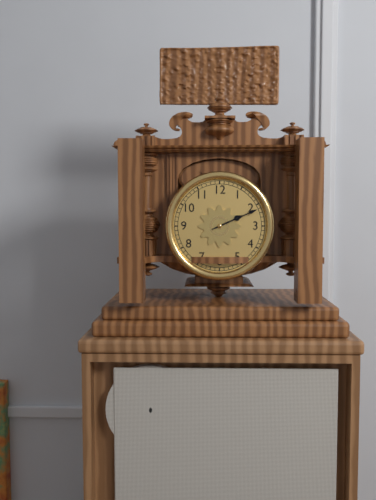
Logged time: 2 h 11 min
